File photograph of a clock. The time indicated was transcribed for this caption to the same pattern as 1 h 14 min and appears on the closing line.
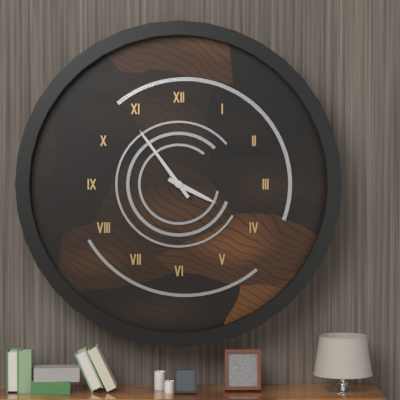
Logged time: 3 h 54 min
